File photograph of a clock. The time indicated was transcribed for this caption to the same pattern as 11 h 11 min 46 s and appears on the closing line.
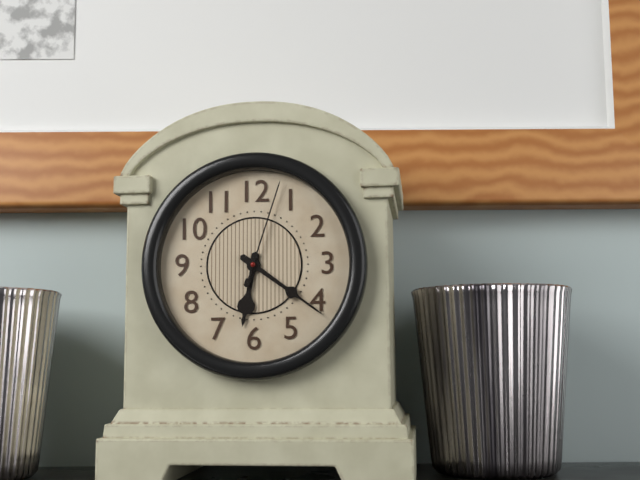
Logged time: 6 h 21 min 03 s
